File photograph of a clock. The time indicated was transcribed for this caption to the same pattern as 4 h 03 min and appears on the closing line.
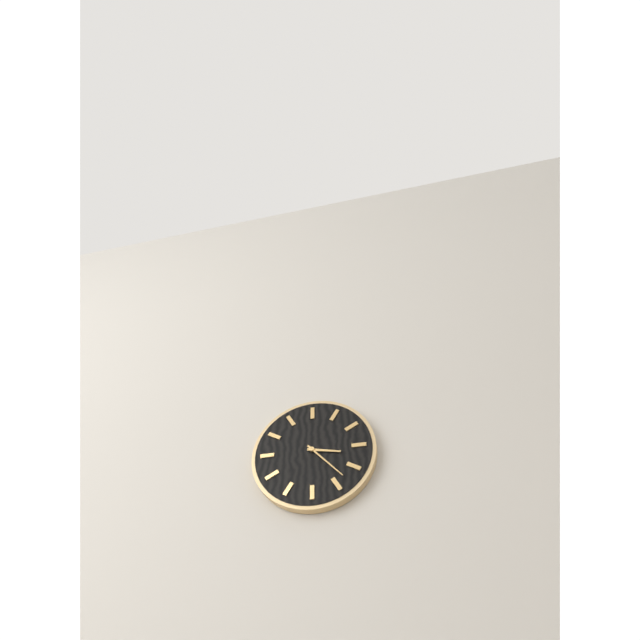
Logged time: 3 h 23 min
